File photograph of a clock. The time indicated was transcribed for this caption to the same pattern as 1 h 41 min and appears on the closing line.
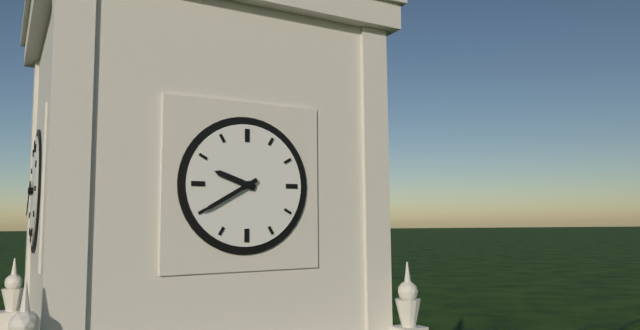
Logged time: 9 h 40 min
